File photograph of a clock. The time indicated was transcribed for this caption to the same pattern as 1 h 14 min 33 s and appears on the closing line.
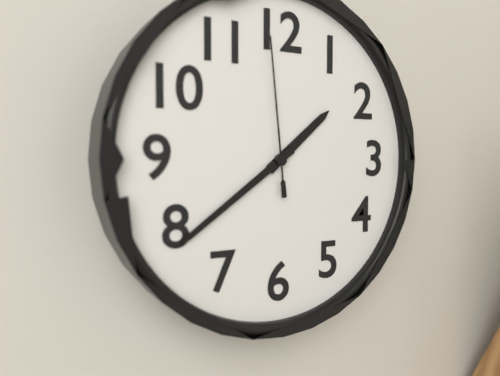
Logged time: 1 h 39 min 59 s
